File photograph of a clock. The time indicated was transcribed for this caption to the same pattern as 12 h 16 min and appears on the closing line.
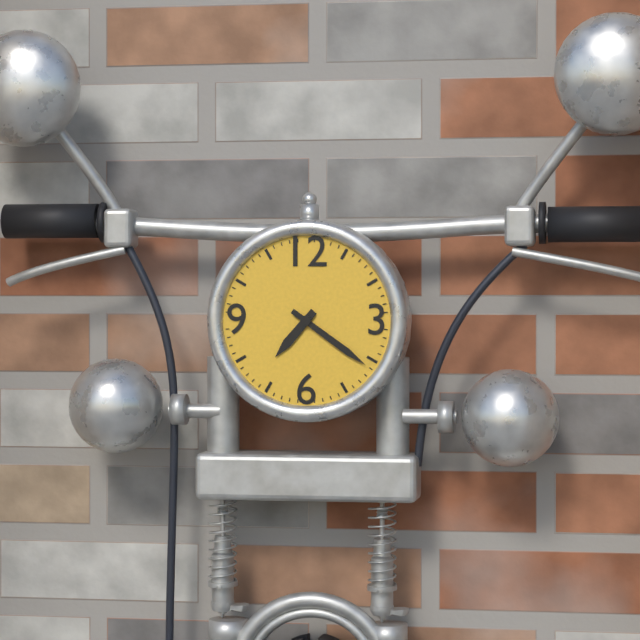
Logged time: 7 h 21 min
